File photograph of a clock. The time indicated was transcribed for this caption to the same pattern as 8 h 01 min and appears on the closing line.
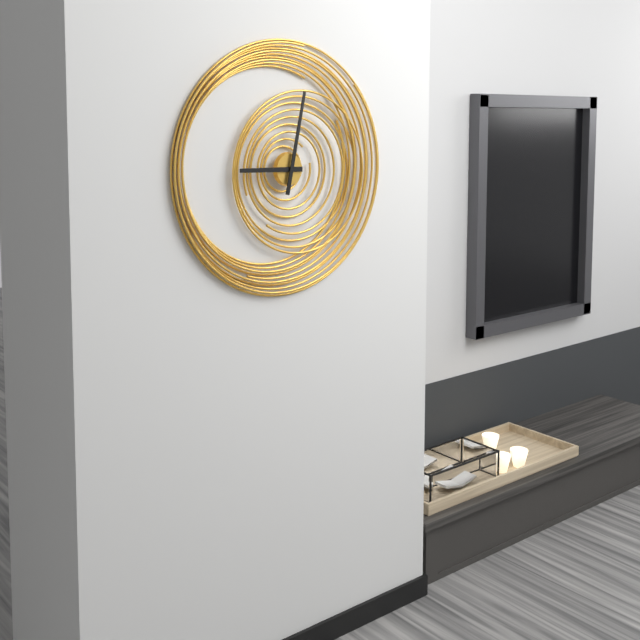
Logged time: 9 h 02 min
